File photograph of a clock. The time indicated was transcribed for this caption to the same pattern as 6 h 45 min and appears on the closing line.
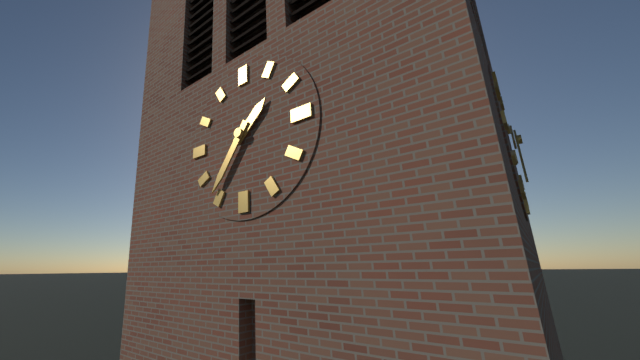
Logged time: 1 h 36 min
